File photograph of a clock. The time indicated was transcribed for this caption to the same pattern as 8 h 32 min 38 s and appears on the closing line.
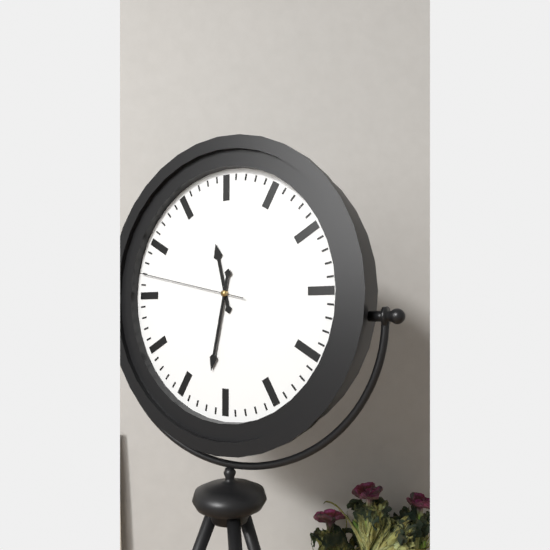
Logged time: 11 h 32 min 47 s
